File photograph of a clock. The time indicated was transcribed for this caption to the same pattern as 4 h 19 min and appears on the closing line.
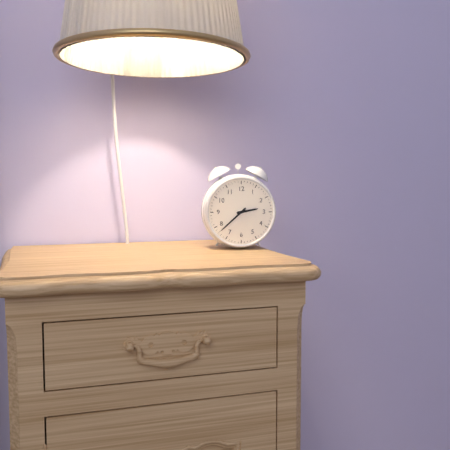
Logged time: 2 h 38 min
